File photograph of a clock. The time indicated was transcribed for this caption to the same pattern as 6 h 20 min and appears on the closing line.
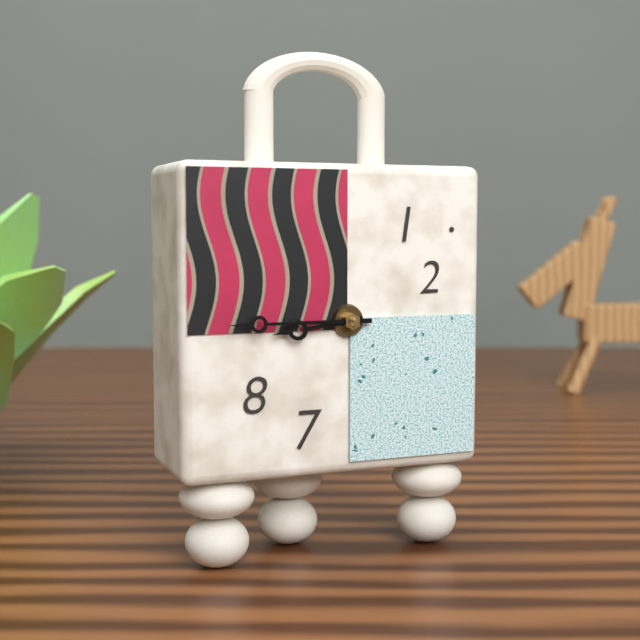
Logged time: 8 h 45 min
